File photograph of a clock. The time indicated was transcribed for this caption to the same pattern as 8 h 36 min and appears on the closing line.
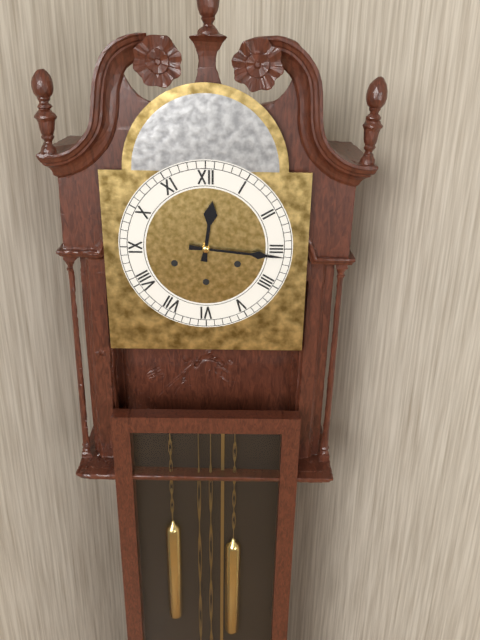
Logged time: 12 h 16 min
